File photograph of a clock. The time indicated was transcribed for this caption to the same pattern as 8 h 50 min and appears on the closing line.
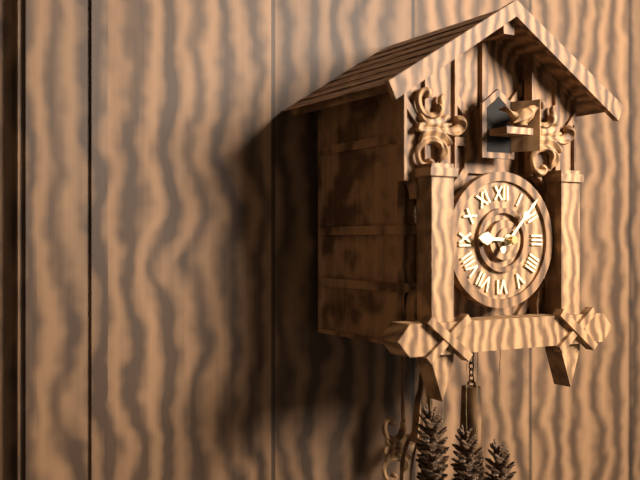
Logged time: 9 h 07 min
